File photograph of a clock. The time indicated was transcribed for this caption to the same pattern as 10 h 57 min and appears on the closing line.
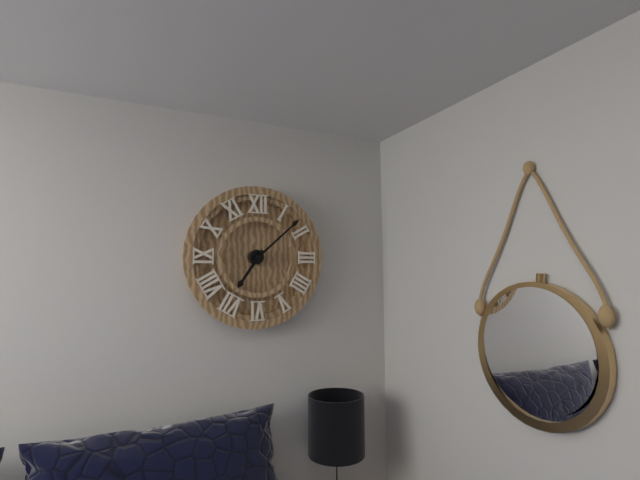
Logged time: 7 h 08 min
